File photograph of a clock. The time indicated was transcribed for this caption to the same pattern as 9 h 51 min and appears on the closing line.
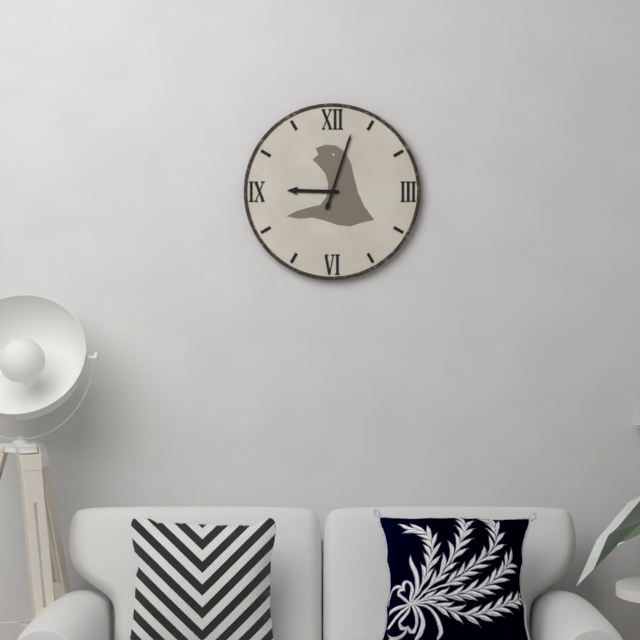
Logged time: 9 h 03 min
